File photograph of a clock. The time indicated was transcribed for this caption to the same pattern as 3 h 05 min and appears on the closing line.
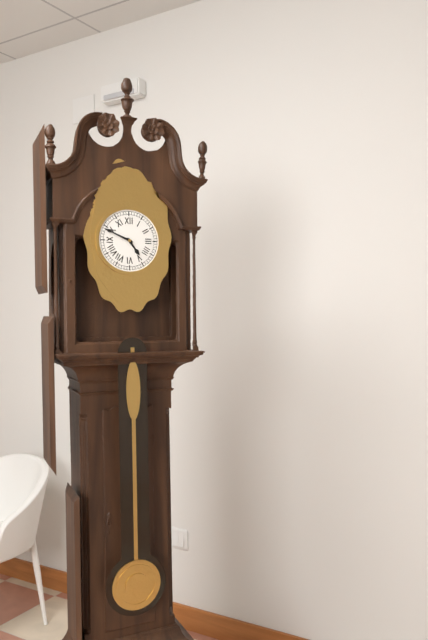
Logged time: 4 h 49 min
